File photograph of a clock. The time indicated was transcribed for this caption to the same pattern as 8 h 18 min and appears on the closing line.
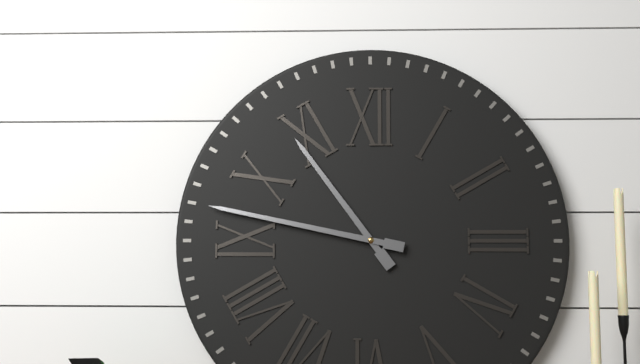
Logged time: 10 h 47 min
